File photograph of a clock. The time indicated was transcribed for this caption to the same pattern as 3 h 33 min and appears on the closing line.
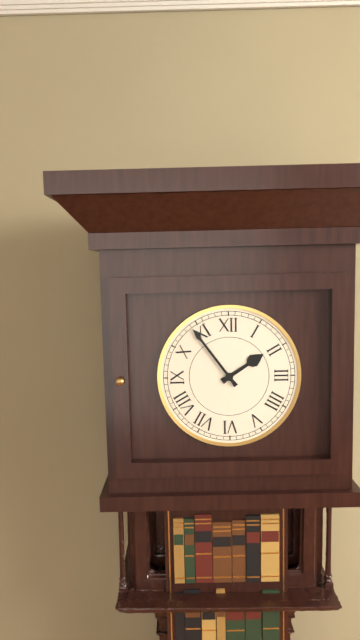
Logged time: 1 h 54 min
